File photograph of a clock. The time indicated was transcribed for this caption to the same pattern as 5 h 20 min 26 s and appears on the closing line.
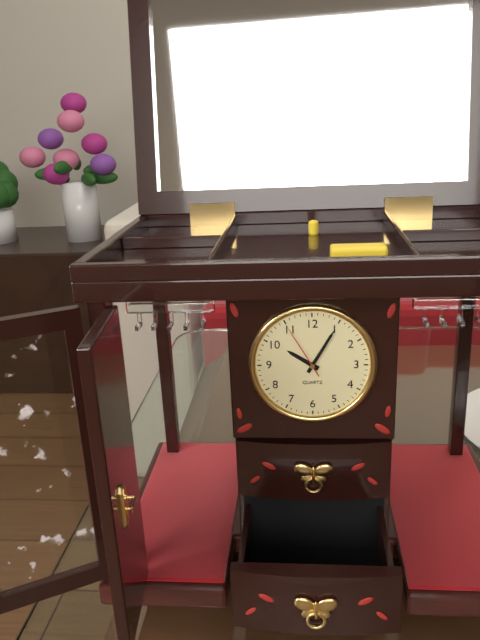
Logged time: 10 h 05 min 55 s
